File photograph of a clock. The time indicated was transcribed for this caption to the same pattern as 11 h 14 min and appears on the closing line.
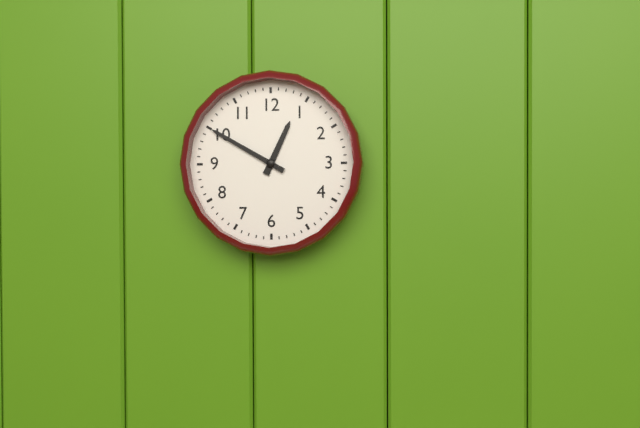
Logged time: 12 h 50 min
